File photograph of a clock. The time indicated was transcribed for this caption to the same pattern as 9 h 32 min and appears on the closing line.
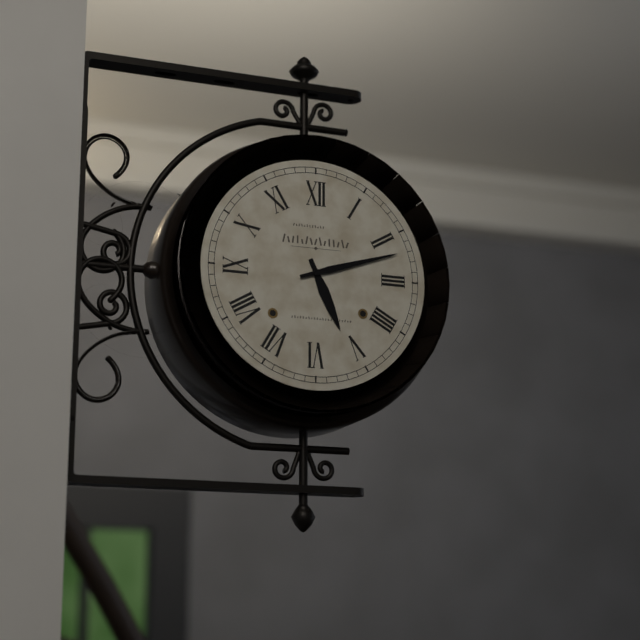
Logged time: 5 h 12 min
